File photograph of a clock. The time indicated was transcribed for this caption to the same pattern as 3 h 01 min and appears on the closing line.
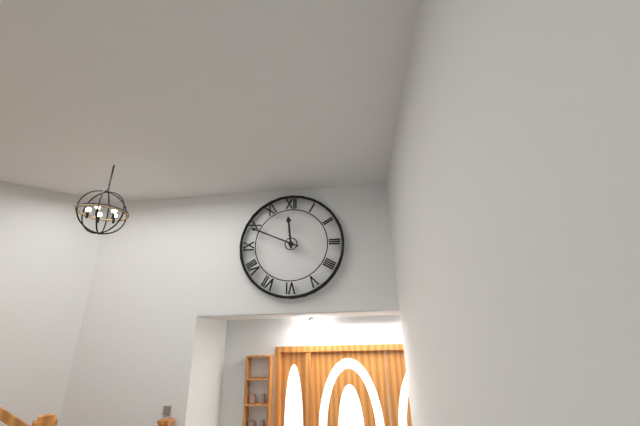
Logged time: 11 h 49 min
